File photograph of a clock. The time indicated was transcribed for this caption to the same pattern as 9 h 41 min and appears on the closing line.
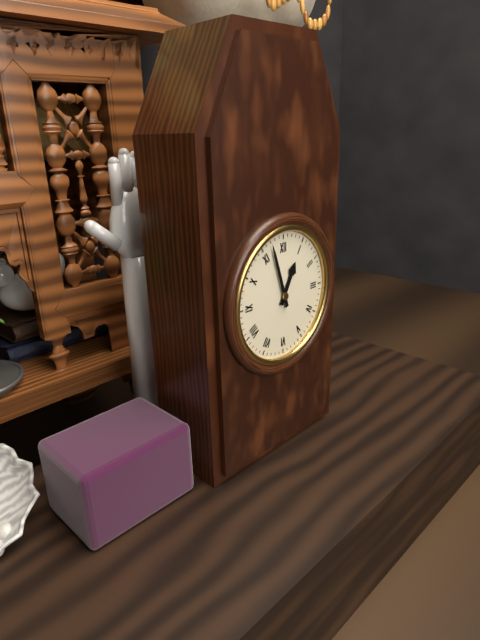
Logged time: 12 h 57 min
